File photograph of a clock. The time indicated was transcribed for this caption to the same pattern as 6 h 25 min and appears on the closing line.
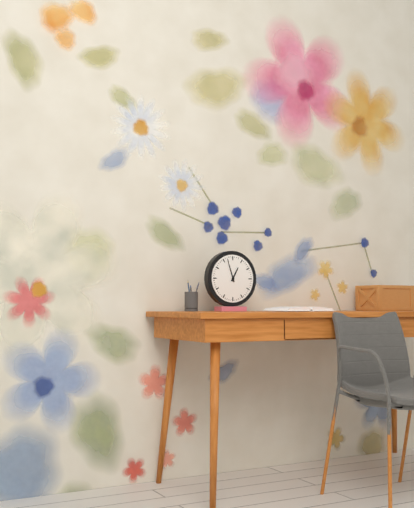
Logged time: 12 h 57 min
